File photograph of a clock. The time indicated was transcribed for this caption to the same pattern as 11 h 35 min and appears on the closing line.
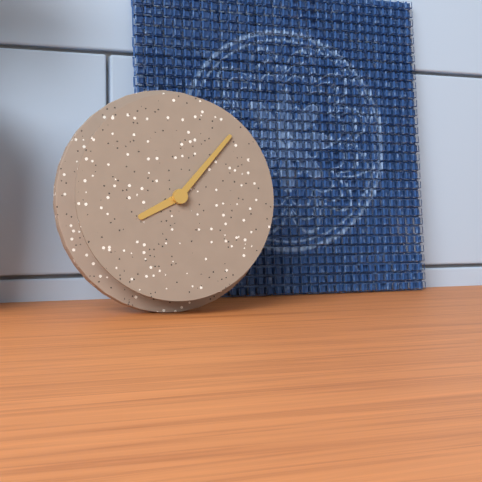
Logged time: 8 h 07 min
